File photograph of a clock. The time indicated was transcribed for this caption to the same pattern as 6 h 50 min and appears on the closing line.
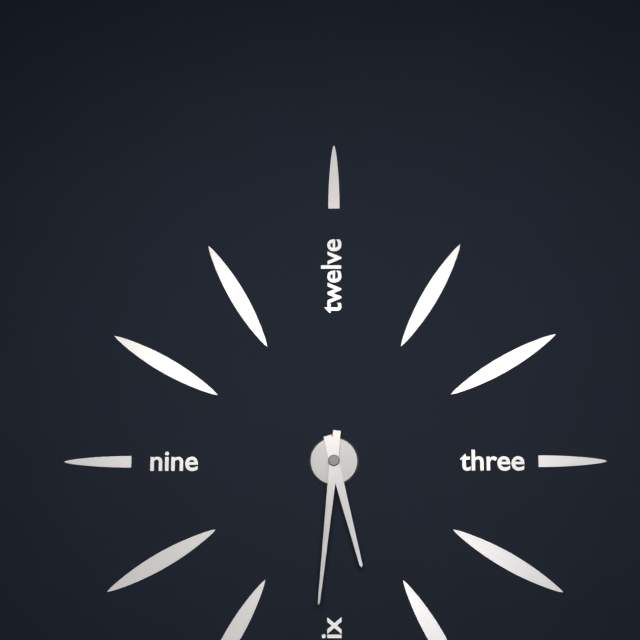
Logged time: 5 h 31 min
